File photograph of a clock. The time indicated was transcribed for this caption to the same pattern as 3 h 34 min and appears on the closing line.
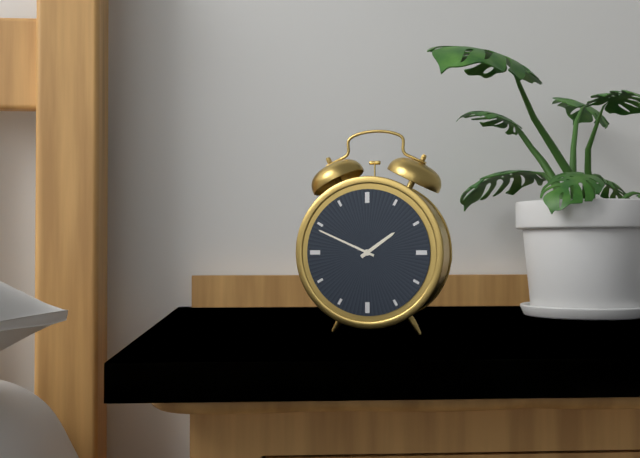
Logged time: 1 h 49 min
